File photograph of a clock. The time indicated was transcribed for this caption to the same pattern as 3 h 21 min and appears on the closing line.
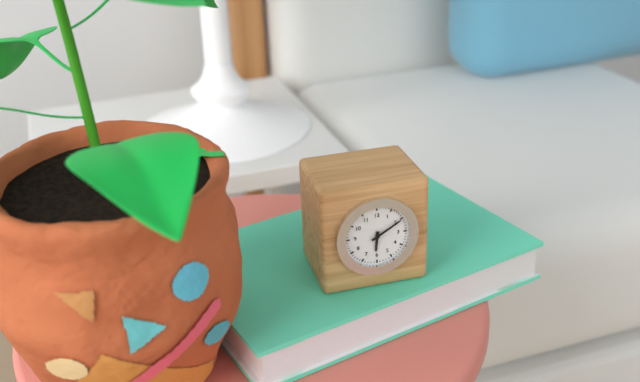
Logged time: 6 h 10 min
